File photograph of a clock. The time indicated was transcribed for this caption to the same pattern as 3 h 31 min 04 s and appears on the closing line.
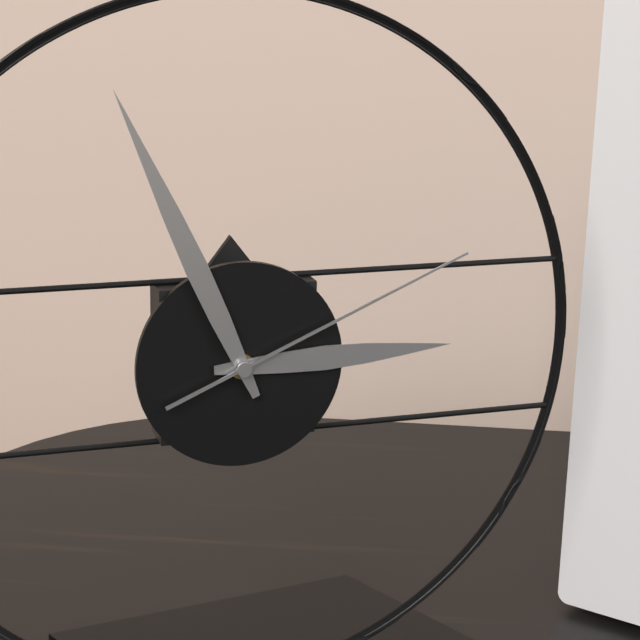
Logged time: 2 h 56 min 11 s
